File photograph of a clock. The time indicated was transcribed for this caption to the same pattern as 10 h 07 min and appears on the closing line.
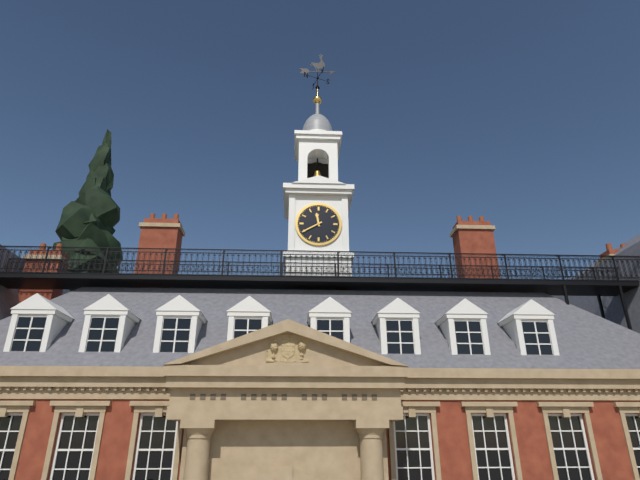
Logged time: 11 h 40 min
